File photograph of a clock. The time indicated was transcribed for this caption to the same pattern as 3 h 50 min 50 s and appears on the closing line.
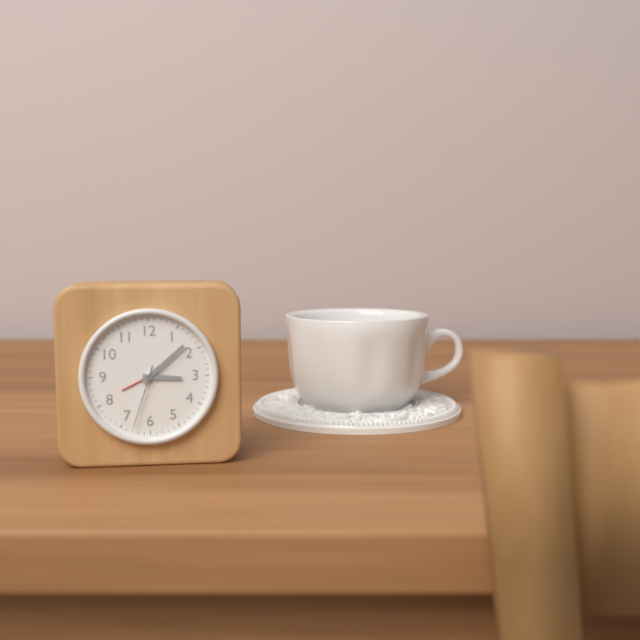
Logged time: 3 h 08 min 33 s
